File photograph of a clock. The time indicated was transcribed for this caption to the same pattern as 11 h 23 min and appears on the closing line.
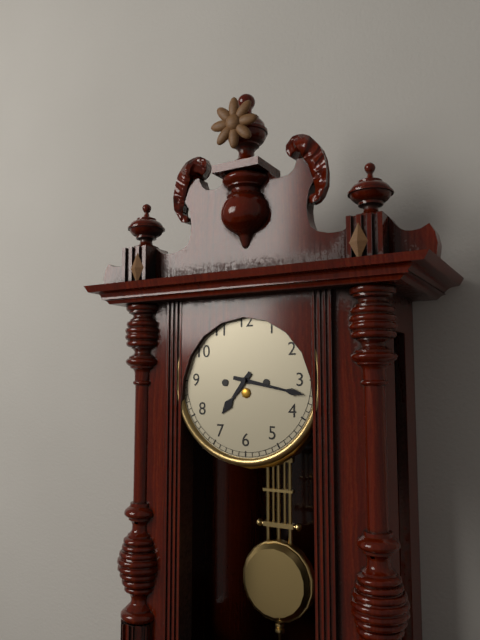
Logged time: 7 h 17 min
